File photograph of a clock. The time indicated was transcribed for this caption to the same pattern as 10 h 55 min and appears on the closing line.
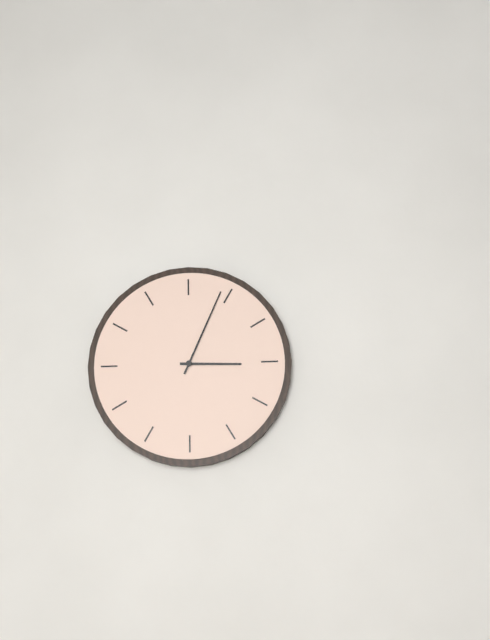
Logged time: 3 h 04 min
